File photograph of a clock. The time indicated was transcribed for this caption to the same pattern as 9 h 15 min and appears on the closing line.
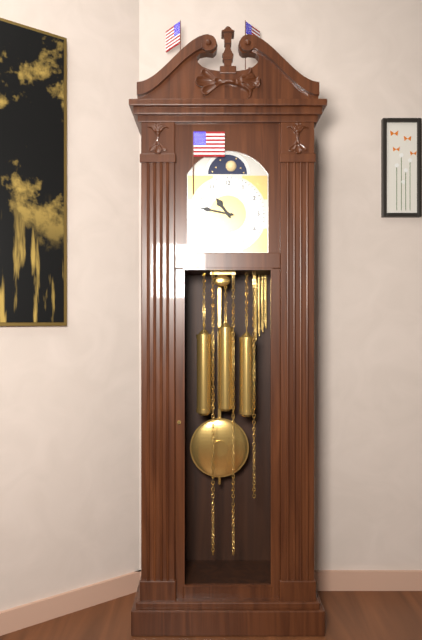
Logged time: 10 h 47 min
